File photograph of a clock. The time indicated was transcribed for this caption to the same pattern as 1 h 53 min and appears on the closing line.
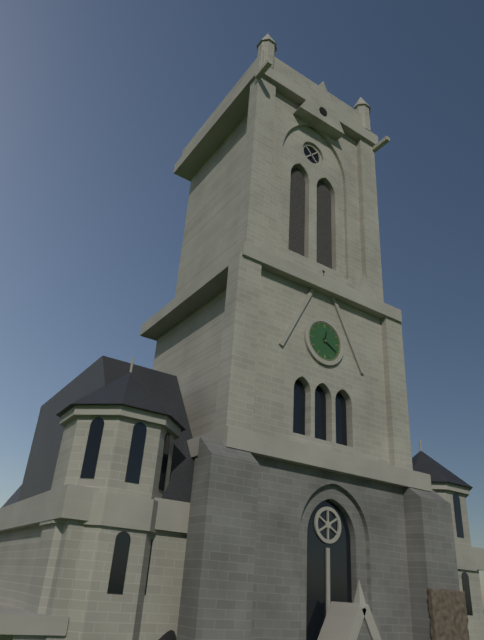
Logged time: 12 h 20 min
